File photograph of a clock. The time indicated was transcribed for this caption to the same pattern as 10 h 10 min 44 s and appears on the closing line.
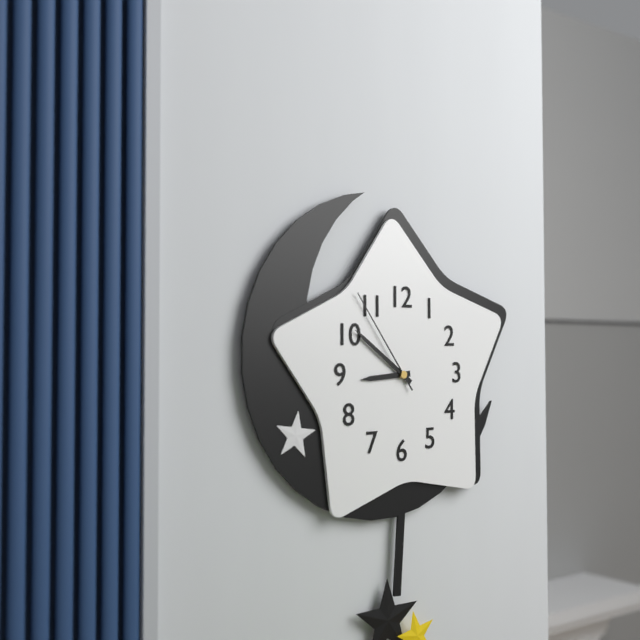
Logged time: 8 h 51 min 54 s
